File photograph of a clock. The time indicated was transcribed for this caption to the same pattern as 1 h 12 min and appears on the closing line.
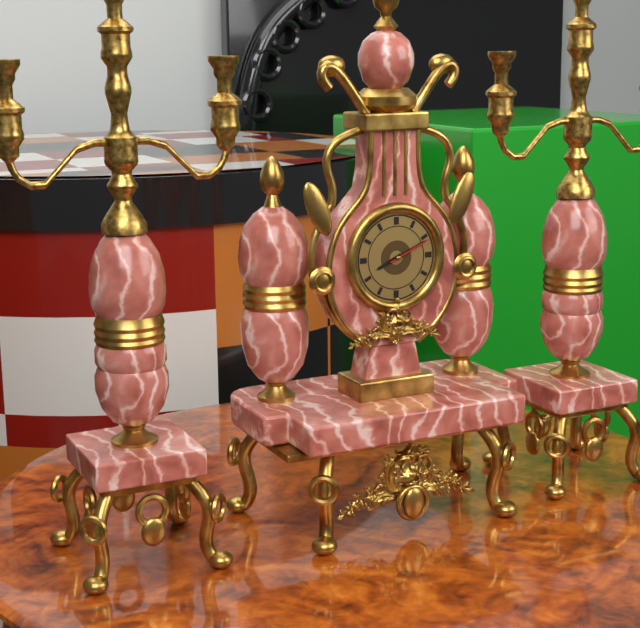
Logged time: 8 h 11 min
